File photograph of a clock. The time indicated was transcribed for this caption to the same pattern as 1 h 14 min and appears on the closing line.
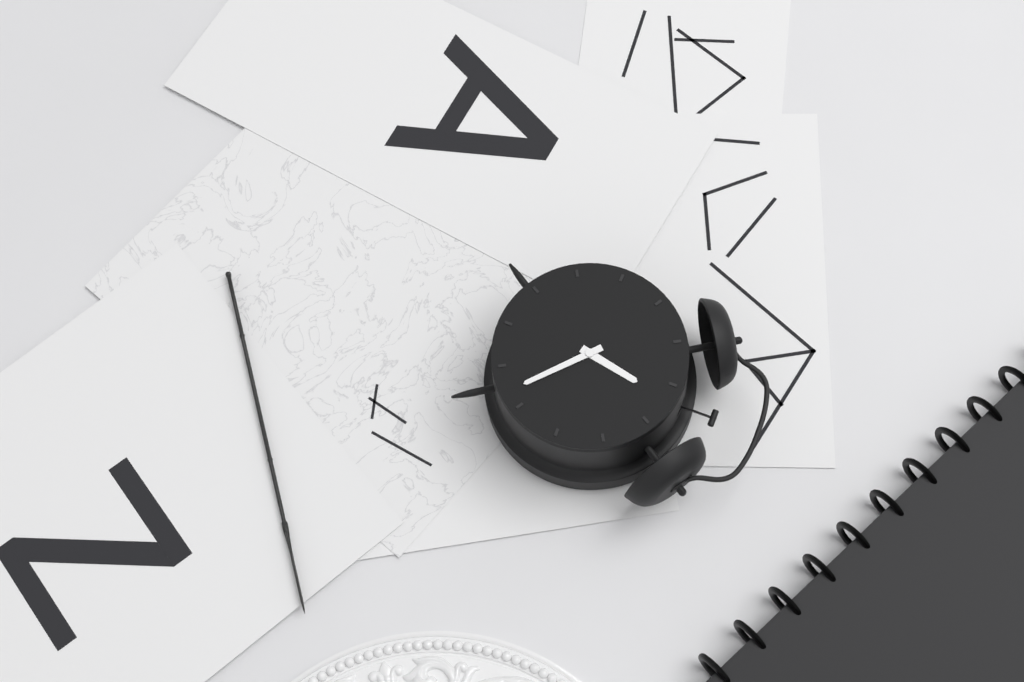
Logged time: 12 h 22 min
